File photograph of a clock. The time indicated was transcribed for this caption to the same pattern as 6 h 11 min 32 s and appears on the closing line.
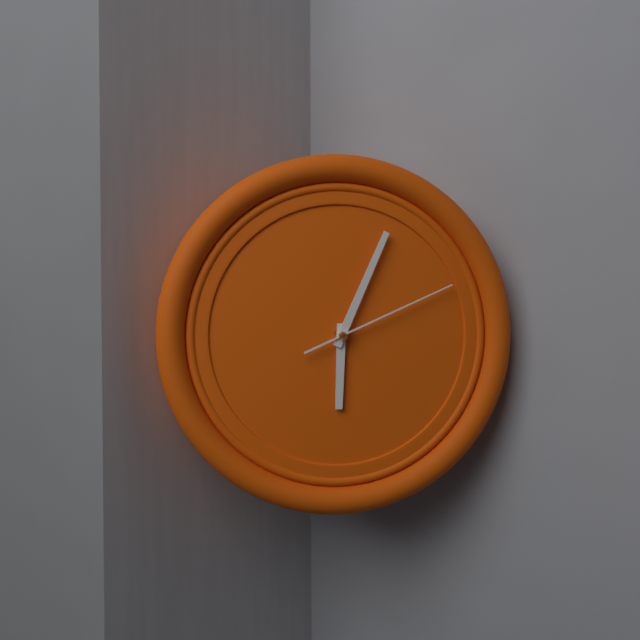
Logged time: 6 h 04 min 11 s
